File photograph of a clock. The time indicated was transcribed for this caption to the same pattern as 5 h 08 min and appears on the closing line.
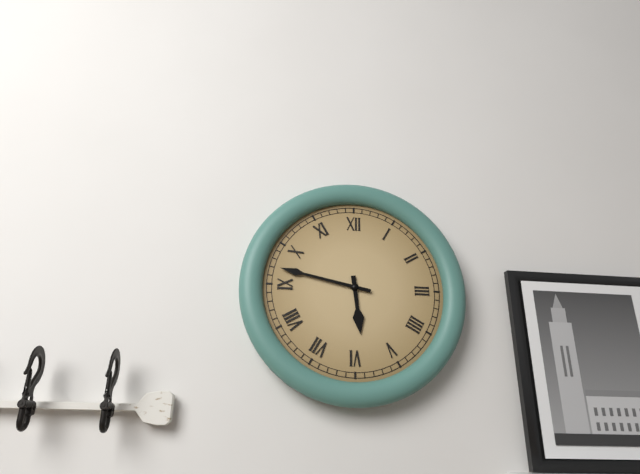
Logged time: 5 h 47 min
